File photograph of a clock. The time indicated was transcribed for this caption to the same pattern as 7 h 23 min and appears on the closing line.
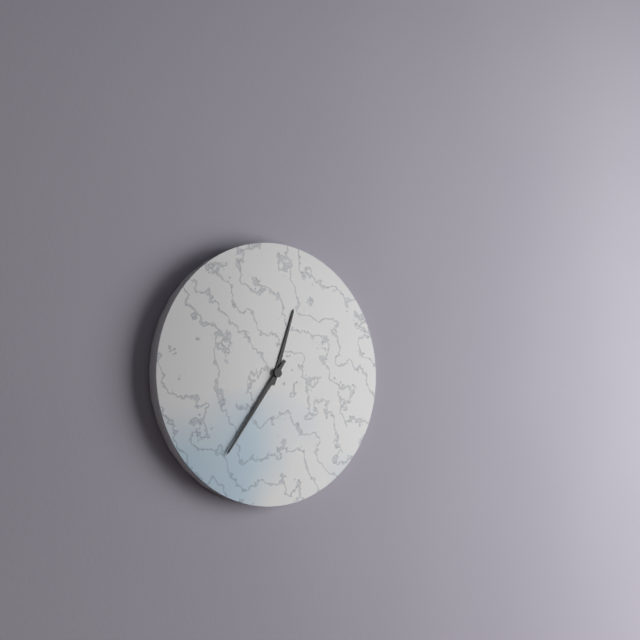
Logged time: 12 h 36 min
